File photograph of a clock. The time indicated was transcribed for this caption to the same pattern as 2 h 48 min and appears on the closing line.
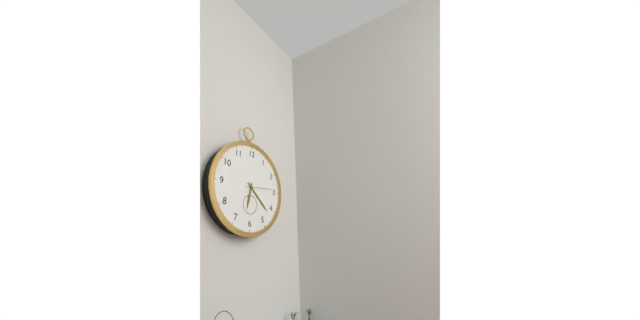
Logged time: 6 h 22 min
